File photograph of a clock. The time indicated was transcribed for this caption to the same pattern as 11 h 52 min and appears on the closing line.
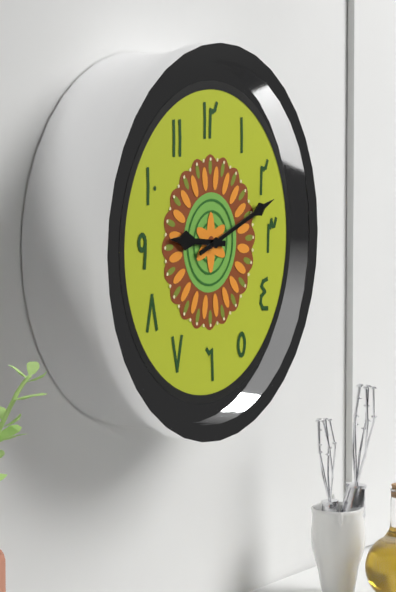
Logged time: 9 h 12 min
